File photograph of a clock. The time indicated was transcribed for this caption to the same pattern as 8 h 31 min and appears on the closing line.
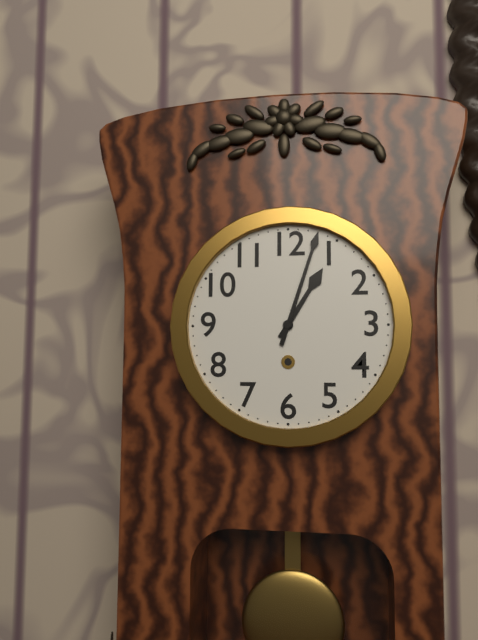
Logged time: 1 h 03 min
